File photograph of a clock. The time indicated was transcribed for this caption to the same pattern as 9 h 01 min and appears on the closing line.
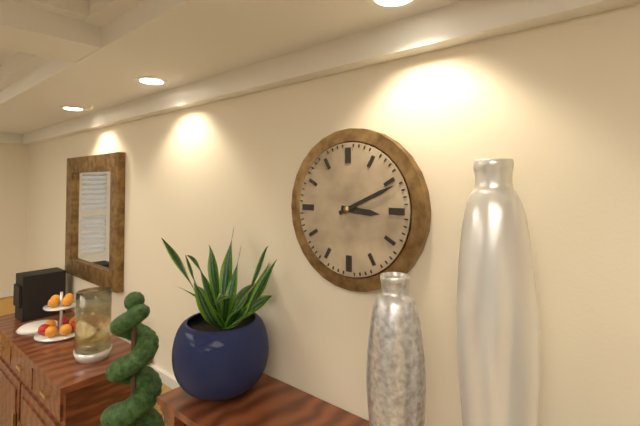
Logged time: 3 h 11 min
